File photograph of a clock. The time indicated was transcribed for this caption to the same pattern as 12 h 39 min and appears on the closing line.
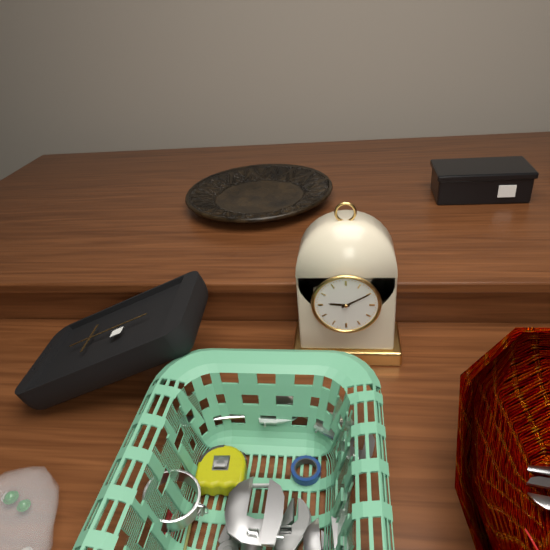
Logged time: 9 h 10 min
